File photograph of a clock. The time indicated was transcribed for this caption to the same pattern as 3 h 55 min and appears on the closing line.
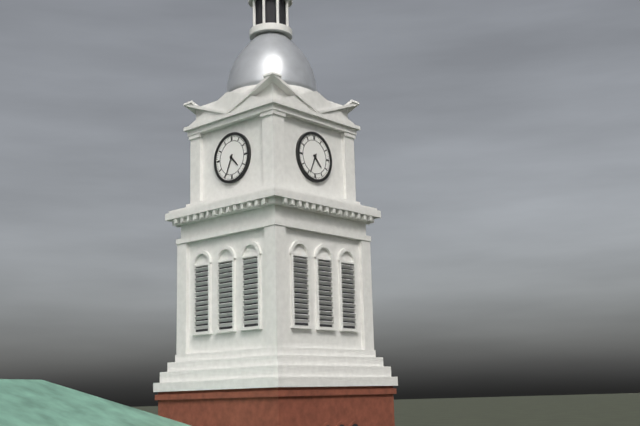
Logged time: 4 h 34 min
